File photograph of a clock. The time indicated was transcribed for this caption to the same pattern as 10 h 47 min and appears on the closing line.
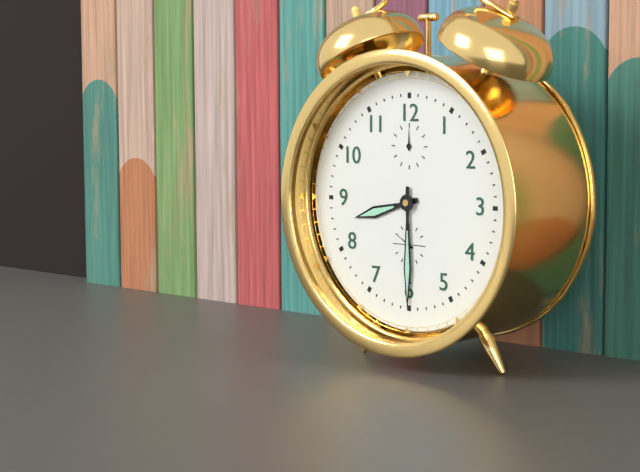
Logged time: 8 h 30 min
